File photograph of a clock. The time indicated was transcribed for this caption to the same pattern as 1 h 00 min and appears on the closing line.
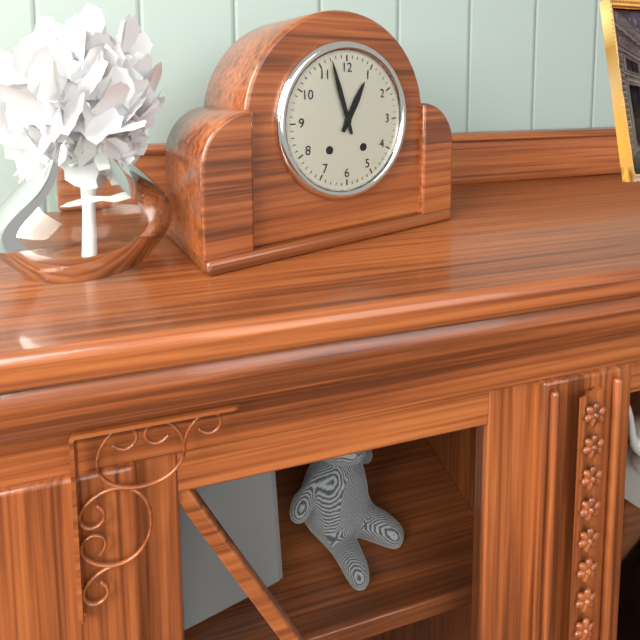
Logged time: 12 h 57 min
